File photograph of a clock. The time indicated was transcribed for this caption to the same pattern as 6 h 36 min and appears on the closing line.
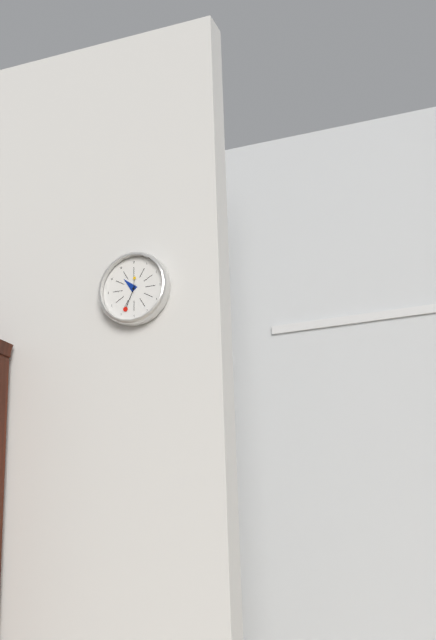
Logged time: 10 h 34 min
